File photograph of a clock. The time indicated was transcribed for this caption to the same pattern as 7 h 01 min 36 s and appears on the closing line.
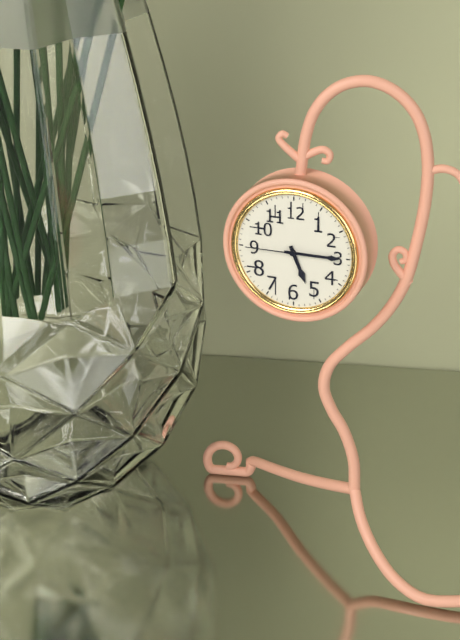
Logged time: 5 h 15 min 45 s
